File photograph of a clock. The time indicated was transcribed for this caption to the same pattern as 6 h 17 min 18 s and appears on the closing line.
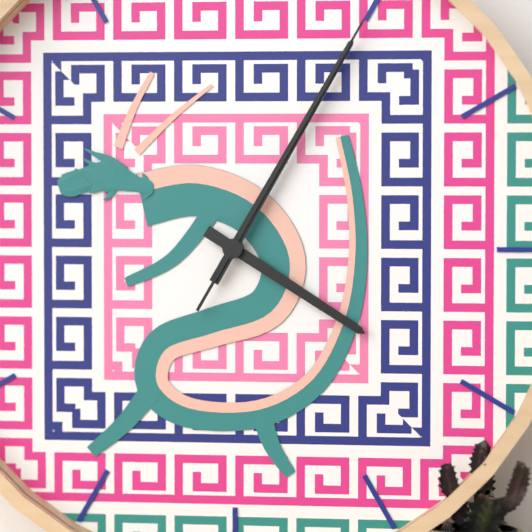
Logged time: 4 h 05 min 05 s
